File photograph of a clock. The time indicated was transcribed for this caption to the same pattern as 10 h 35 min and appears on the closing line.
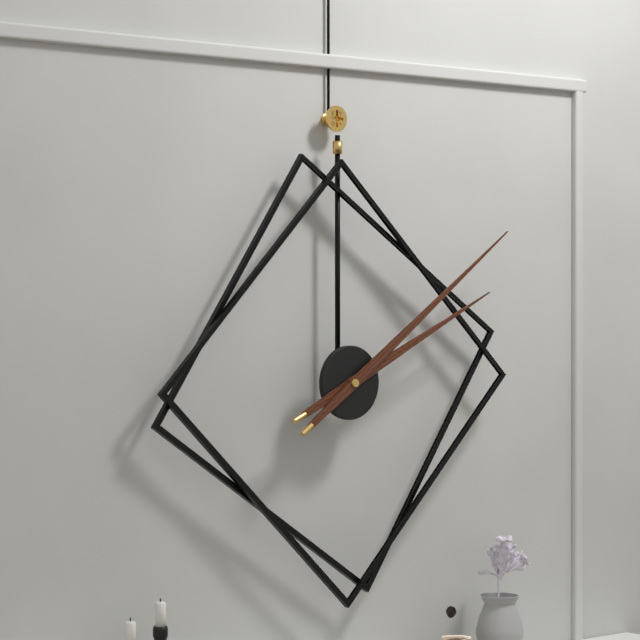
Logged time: 2 h 09 min
